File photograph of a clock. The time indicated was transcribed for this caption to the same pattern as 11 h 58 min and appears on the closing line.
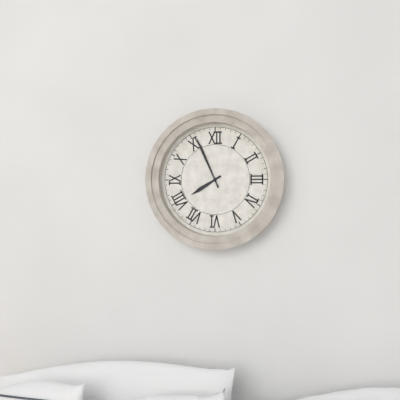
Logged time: 7 h 56 min
